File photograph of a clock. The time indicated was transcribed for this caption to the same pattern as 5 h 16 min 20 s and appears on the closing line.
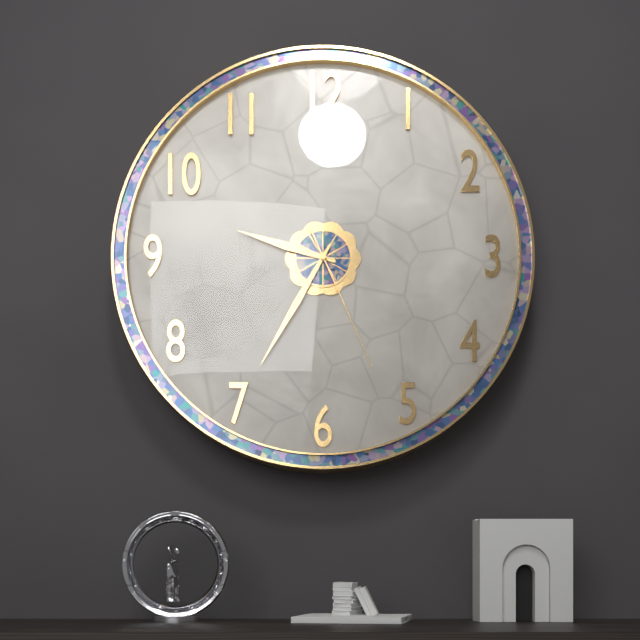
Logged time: 9 h 35 min 26 s
